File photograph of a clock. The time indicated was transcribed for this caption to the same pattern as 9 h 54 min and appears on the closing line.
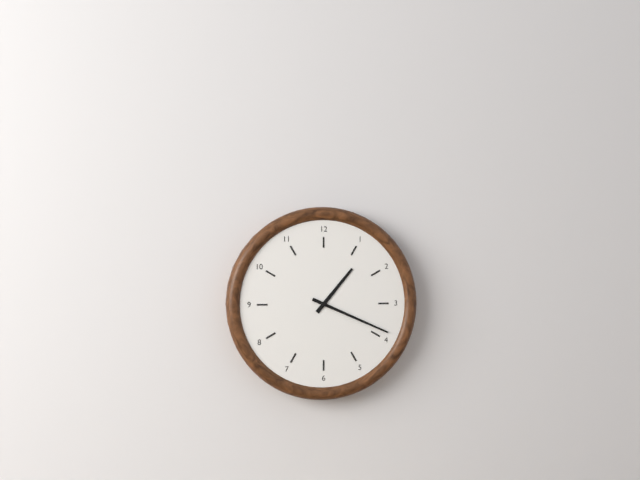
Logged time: 1 h 19 min
